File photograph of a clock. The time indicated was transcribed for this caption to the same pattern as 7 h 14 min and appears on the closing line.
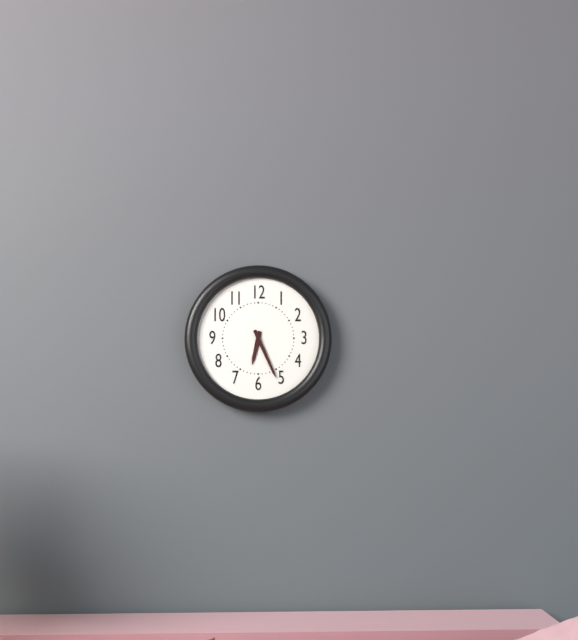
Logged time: 6 h 26 min
